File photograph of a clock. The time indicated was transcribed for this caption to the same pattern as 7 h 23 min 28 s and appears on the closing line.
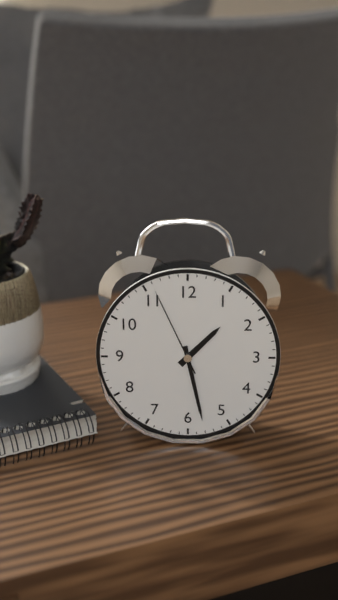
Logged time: 1 h 28 min 56 s
